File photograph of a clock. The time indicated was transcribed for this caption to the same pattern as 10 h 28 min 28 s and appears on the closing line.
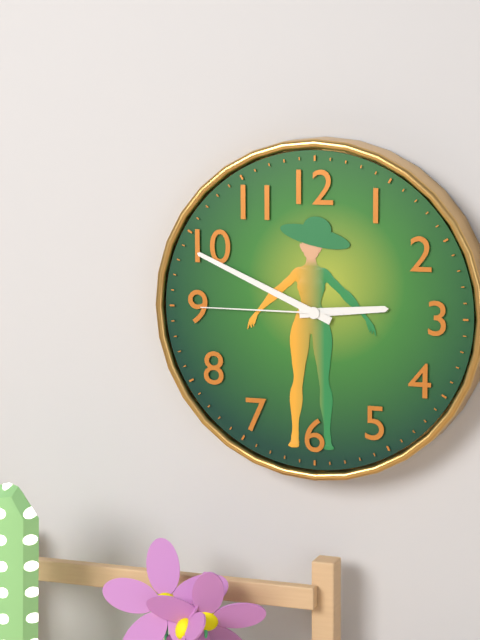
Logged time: 2 h 49 min 45 s
